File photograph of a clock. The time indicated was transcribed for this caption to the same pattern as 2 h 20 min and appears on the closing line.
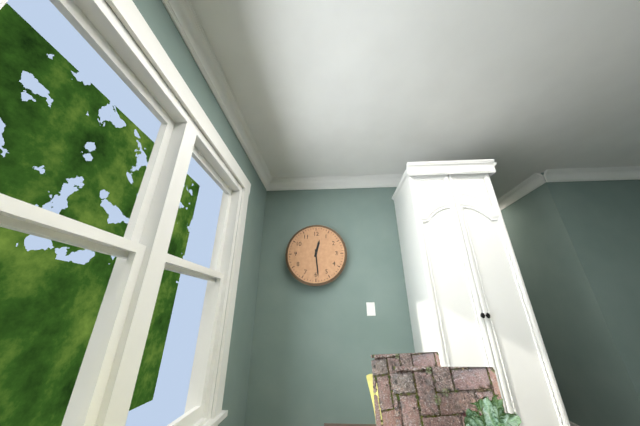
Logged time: 12 h 29 min
